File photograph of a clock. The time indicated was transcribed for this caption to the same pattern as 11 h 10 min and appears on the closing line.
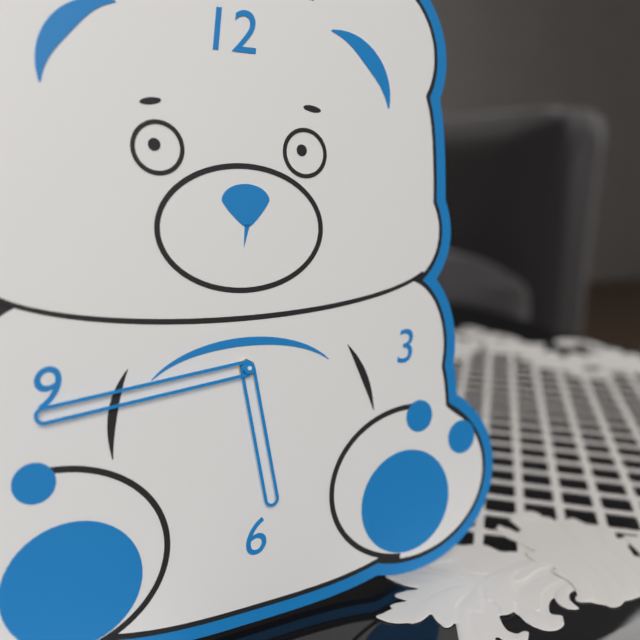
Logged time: 5 h 44 min
